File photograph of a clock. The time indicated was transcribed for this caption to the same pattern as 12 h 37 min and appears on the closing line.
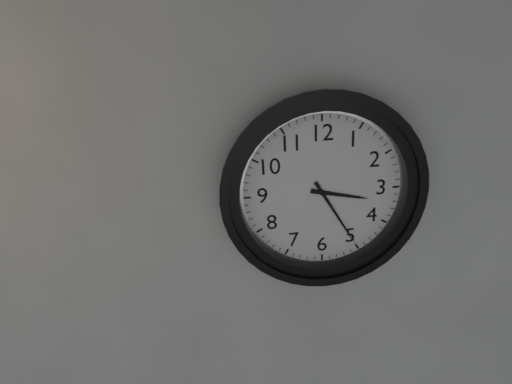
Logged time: 3 h 25 min
